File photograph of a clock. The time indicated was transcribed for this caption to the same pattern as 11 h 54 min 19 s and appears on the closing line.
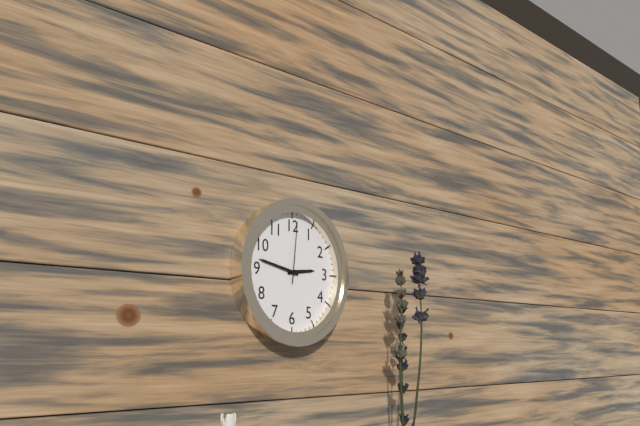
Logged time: 2 h 47 min 01 s
